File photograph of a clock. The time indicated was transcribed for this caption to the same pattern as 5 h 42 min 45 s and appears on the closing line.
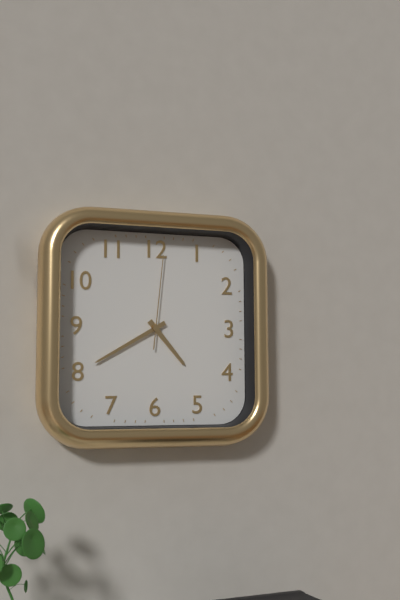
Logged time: 4 h 40 min 01 s
